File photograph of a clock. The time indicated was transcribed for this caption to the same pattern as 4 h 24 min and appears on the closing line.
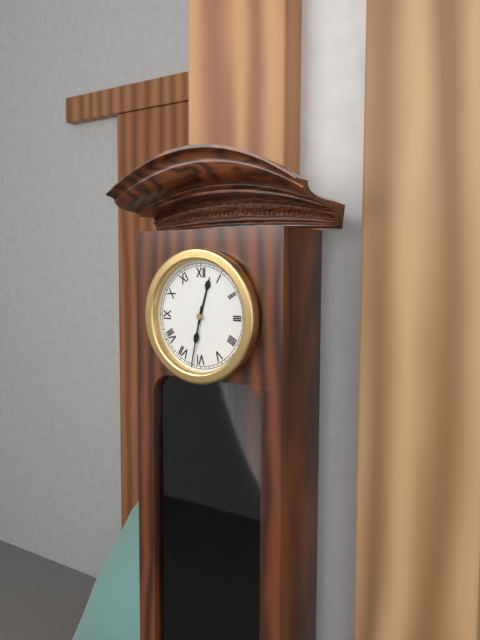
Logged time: 12 h 32 min
